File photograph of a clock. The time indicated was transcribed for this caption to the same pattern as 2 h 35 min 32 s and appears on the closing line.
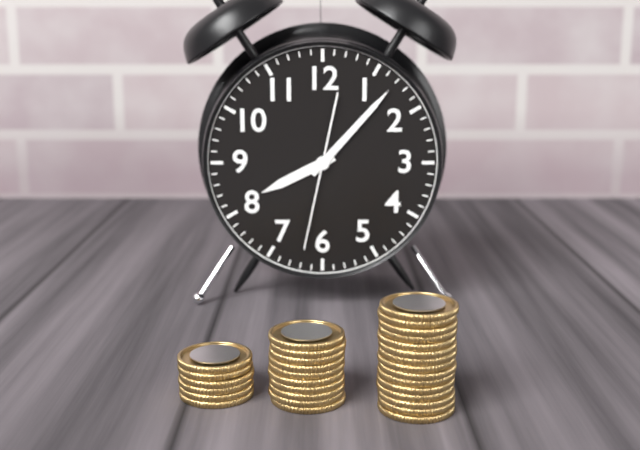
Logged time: 8 h 07 min 32 s
